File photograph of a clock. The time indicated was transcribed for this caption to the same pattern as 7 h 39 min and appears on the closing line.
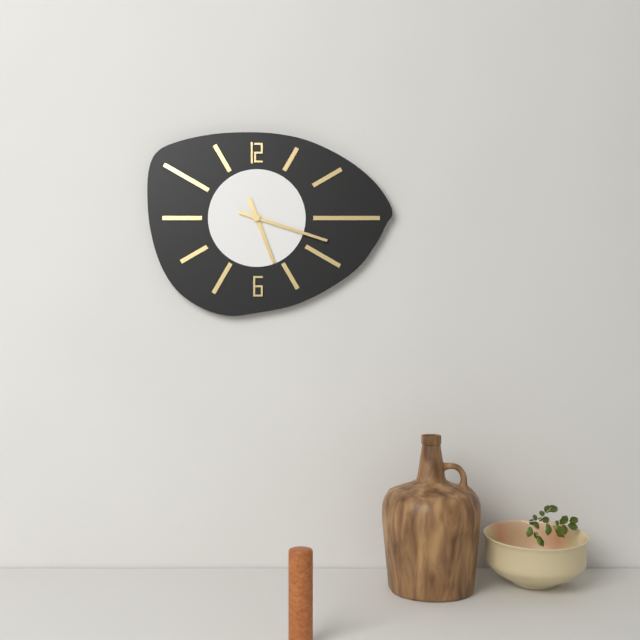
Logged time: 5 h 18 min
